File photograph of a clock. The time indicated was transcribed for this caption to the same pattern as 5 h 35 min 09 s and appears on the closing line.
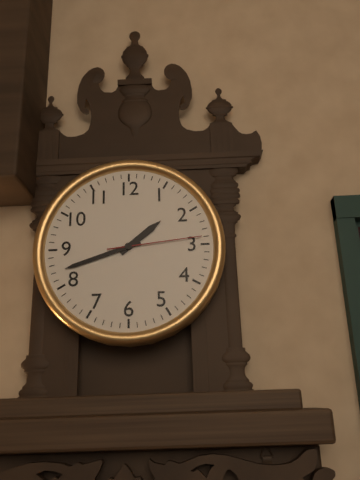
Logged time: 1 h 42 min 14 s
